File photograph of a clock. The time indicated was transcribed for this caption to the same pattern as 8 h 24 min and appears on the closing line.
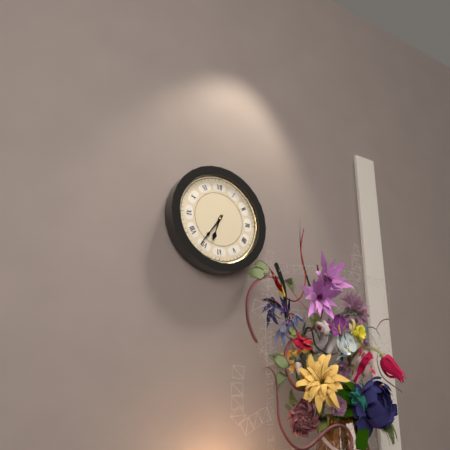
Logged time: 6 h 36 min
